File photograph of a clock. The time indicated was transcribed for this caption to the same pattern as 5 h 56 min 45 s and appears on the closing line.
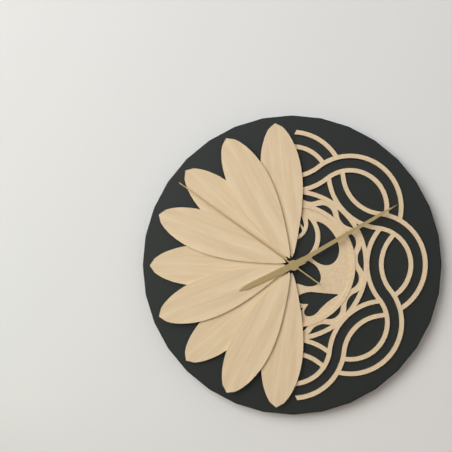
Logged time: 8 h 10 min 51 s
